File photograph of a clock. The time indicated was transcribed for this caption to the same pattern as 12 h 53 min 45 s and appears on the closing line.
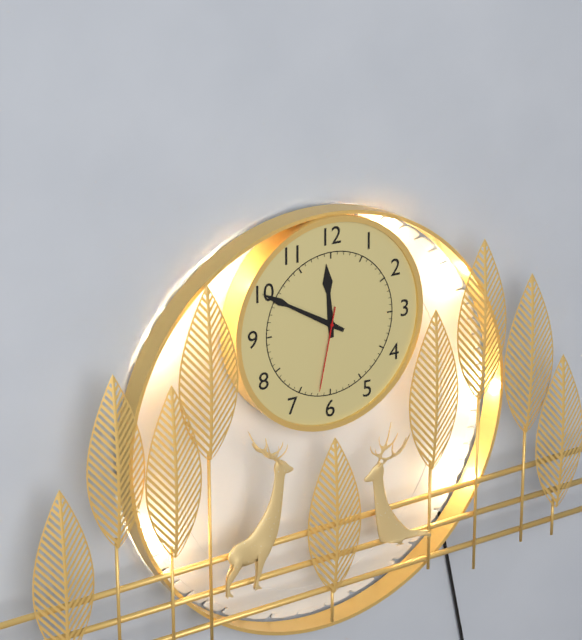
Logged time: 11 h 50 min 32 s
